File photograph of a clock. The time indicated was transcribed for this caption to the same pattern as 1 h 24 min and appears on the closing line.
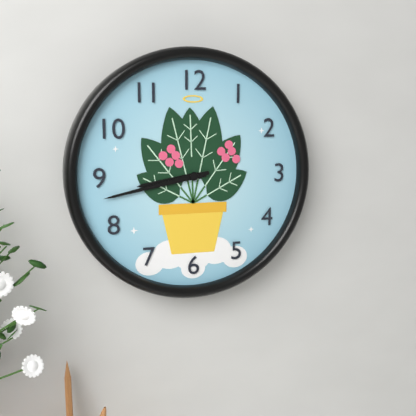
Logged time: 8 h 43 min
